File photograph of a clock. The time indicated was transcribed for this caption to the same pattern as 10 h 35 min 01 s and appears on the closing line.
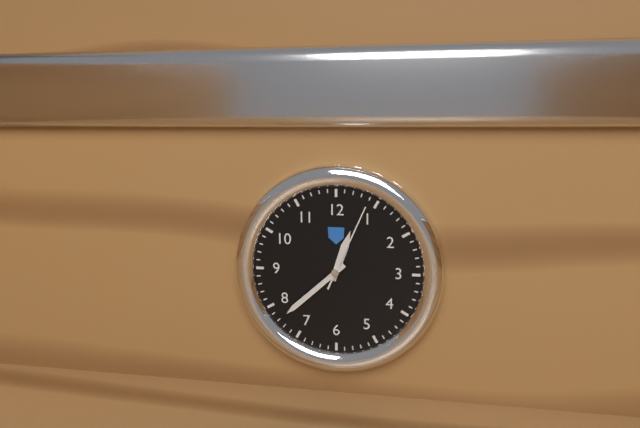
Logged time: 12 h 38 min 04 s
